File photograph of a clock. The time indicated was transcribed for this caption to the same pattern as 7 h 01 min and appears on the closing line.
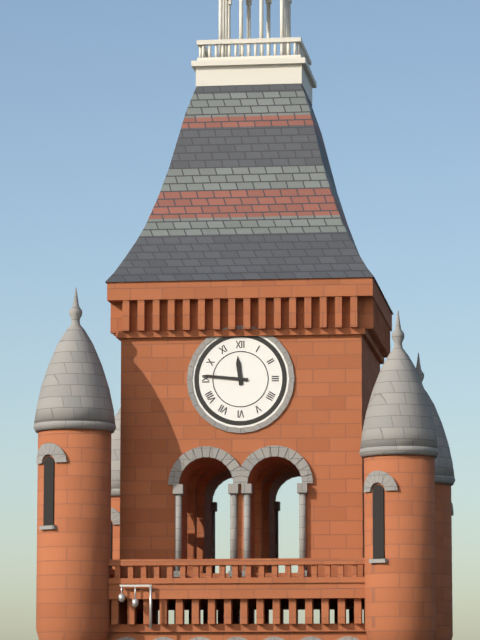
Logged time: 11 h 46 min
